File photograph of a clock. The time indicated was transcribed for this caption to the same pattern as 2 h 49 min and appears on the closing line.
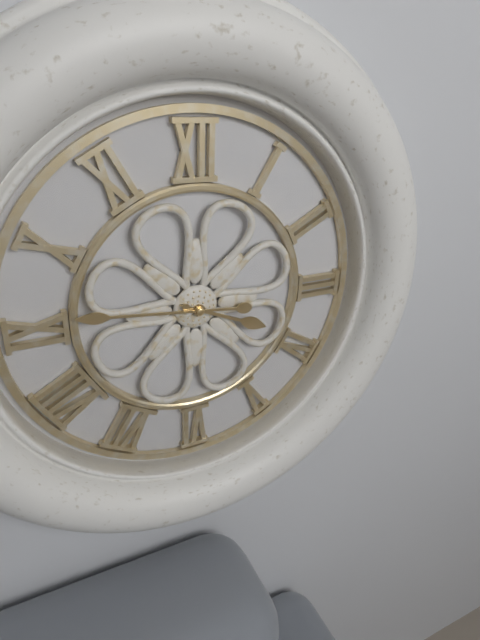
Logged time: 3 h 46 min
